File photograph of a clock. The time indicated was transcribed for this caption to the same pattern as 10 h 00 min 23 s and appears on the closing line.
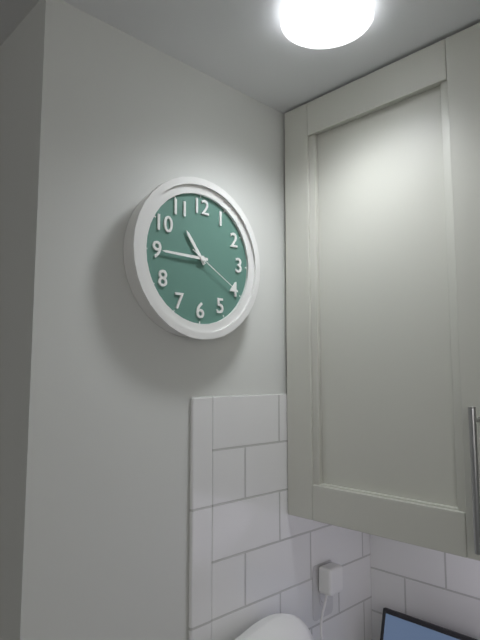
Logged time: 10 h 45 min 20 s
